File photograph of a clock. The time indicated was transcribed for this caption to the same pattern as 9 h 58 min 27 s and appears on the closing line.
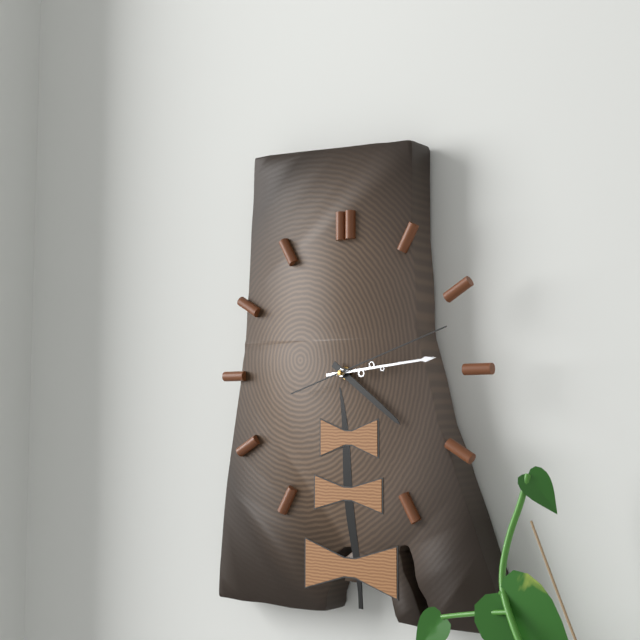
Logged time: 4 h 14 min 12 s
